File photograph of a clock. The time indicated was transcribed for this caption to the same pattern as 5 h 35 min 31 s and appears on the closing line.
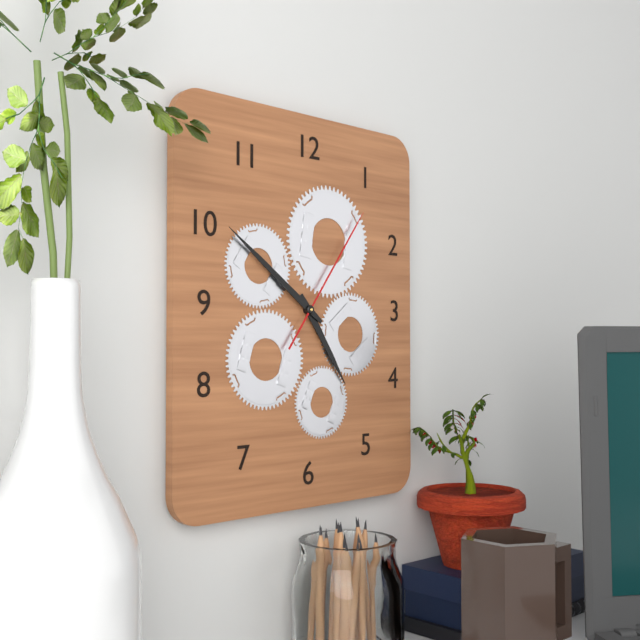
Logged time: 4 h 51 min 06 s
